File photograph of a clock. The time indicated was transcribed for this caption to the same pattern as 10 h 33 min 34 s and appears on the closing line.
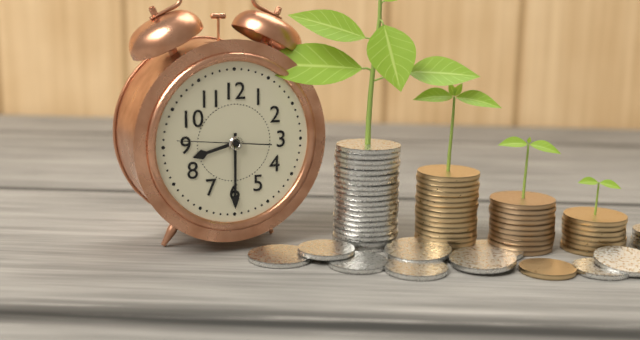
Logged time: 8 h 30 min 46 s
